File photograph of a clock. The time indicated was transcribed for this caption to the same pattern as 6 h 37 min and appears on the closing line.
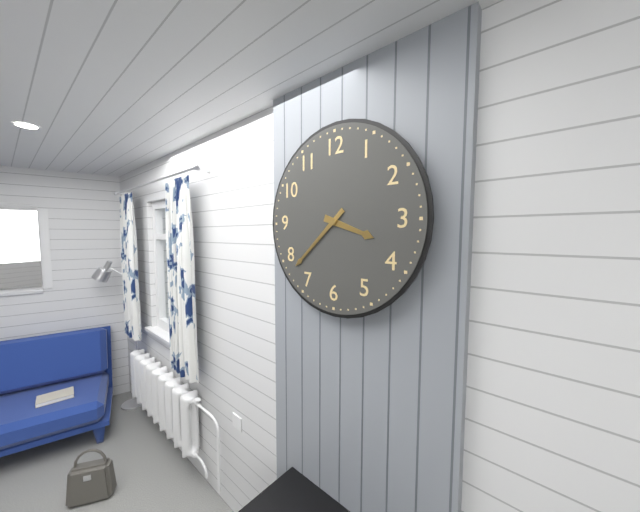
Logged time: 3 h 38 min
